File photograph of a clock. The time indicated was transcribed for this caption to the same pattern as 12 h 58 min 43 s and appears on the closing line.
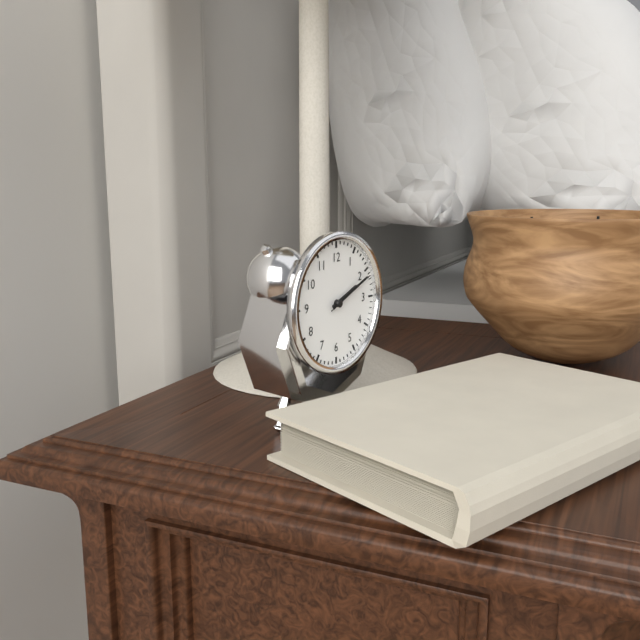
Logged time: 2 h 11 min 11 s
